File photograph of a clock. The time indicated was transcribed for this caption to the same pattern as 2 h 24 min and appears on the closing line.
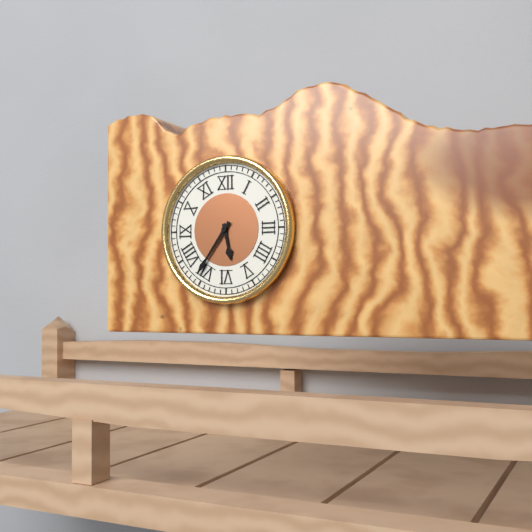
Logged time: 5 h 36 min
